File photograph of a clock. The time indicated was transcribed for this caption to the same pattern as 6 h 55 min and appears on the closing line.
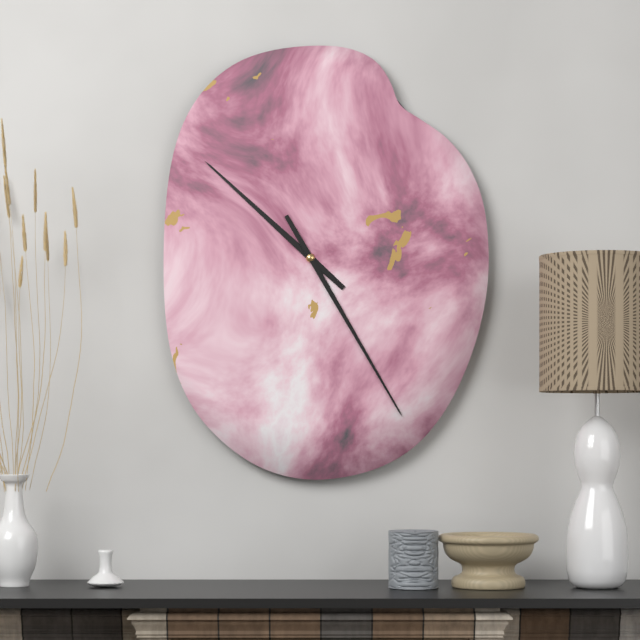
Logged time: 10 h 25 min
